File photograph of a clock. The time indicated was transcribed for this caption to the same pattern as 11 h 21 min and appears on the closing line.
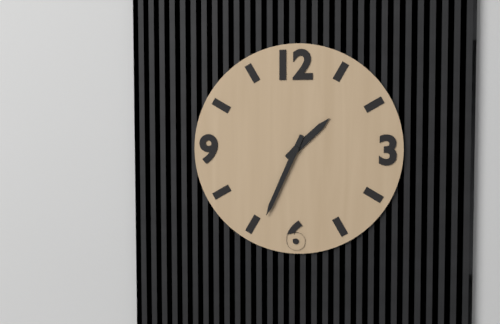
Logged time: 1 h 34 min
